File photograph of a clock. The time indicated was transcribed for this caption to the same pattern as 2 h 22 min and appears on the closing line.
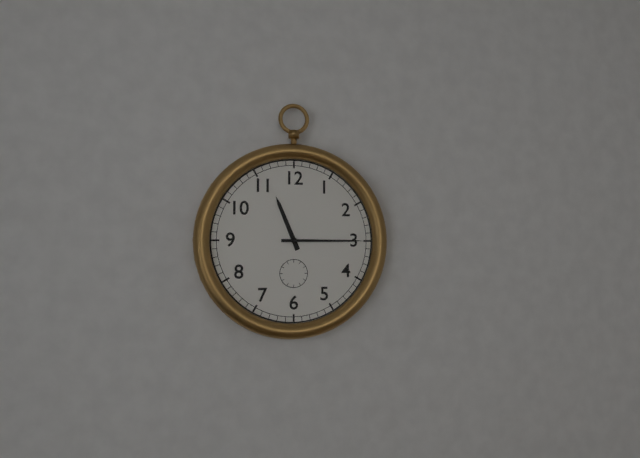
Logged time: 11 h 15 min
